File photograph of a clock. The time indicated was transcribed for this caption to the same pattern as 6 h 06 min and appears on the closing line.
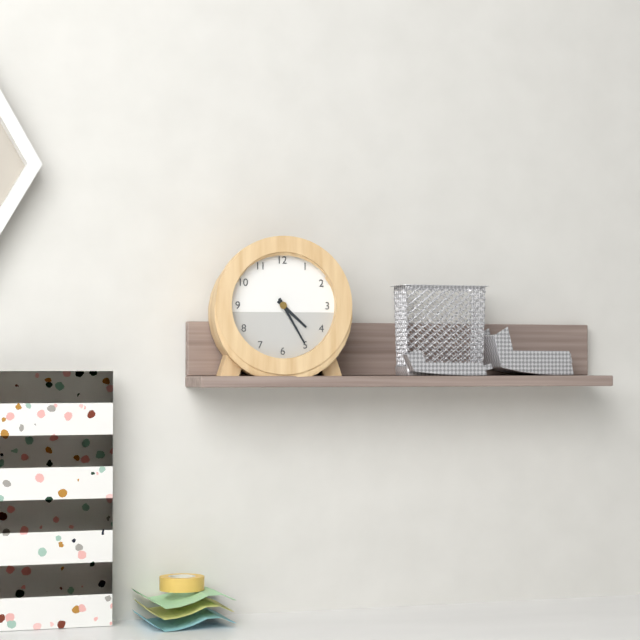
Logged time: 4 h 25 min
